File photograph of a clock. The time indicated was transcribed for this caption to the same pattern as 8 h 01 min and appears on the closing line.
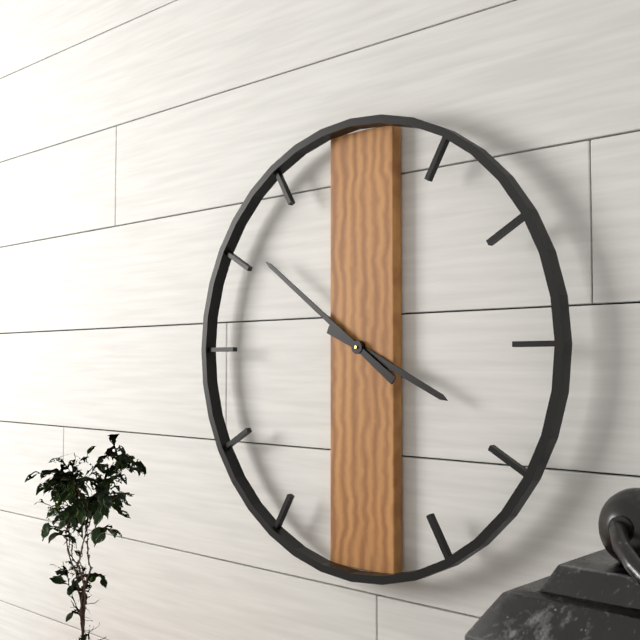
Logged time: 3 h 51 min
